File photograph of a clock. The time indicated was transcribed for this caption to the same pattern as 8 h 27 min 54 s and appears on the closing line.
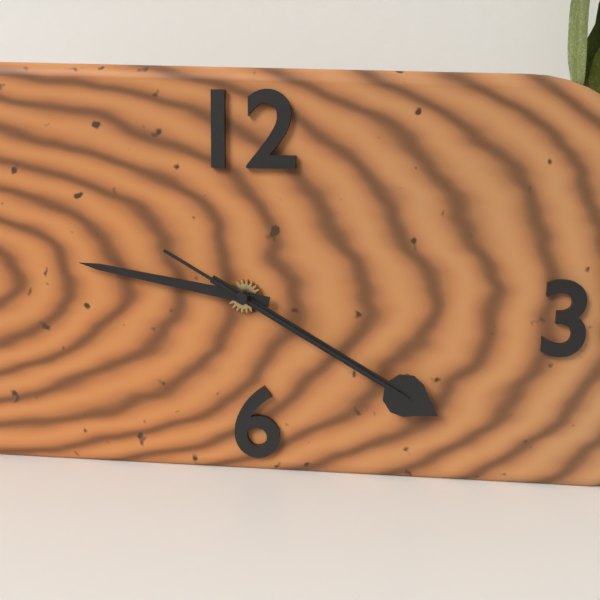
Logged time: 9 h 20 min 20 s
